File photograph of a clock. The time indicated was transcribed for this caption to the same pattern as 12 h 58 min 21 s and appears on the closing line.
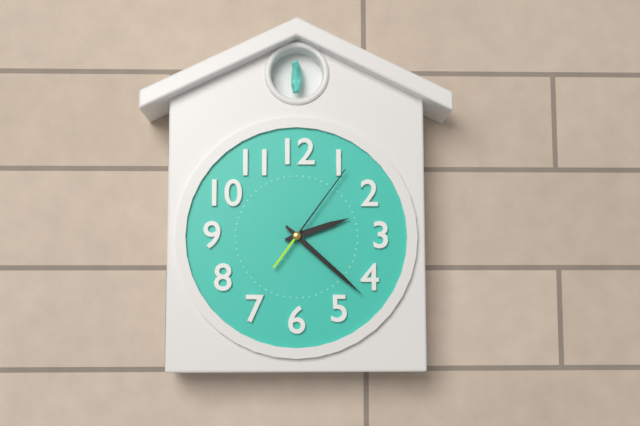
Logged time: 2 h 22 min 06 s
